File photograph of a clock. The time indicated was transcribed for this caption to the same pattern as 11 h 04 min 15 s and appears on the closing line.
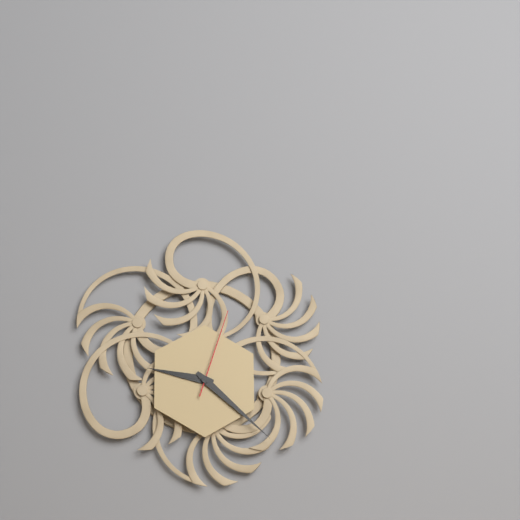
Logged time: 9 h 22 min 03 s
